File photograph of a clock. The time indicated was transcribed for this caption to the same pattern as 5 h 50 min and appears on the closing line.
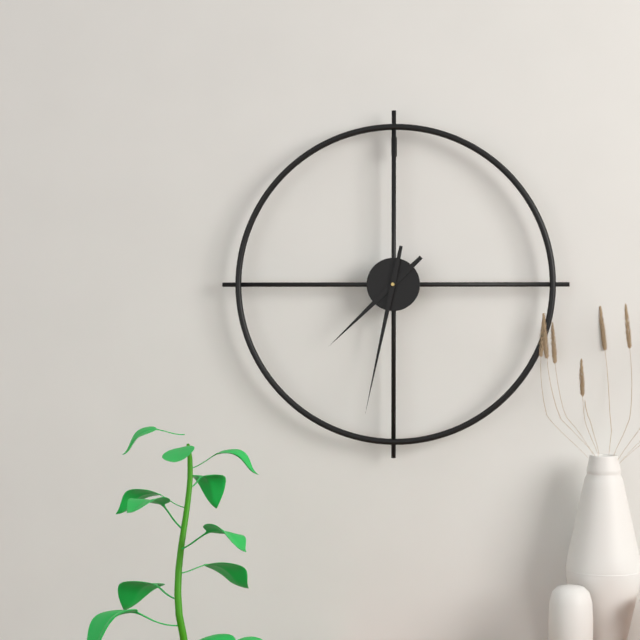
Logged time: 7 h 32 min
